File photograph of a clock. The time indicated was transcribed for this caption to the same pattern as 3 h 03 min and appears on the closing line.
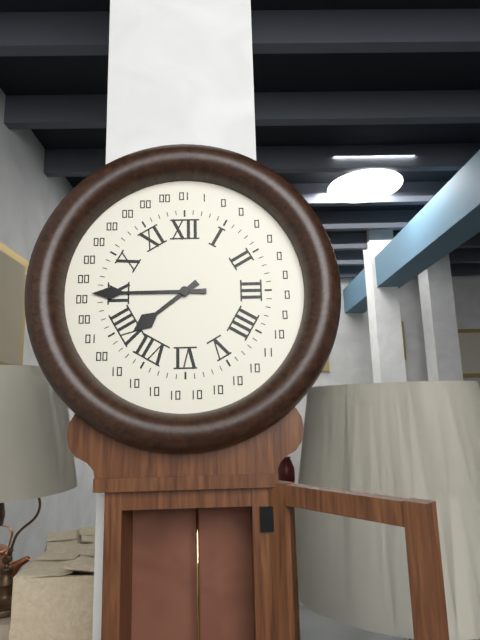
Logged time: 7 h 45 min
